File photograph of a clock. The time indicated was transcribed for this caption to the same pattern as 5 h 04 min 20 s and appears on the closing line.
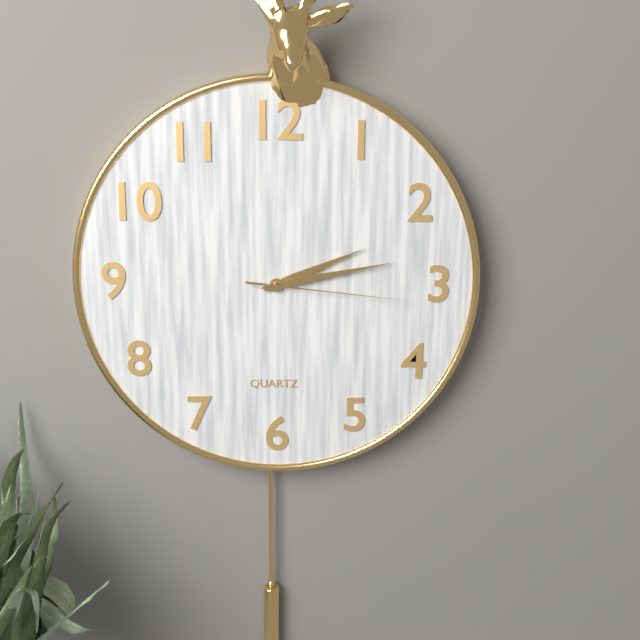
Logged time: 2 h 13 min 16 s
